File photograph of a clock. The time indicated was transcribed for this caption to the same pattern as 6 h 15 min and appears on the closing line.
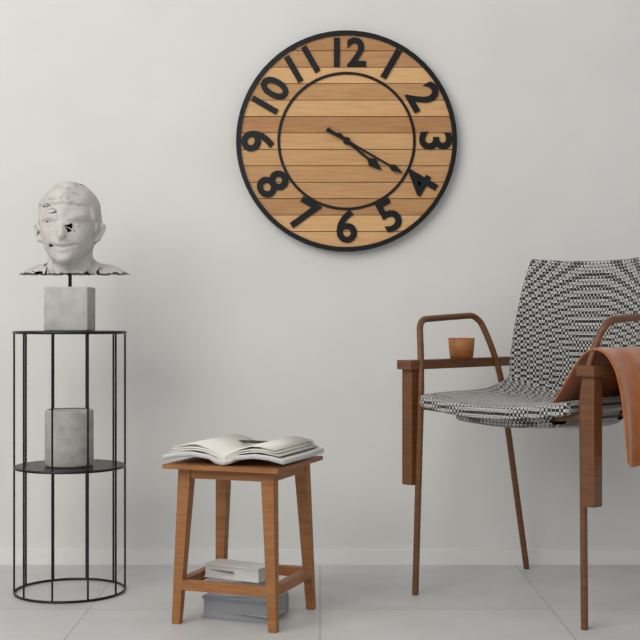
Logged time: 4 h 20 min
